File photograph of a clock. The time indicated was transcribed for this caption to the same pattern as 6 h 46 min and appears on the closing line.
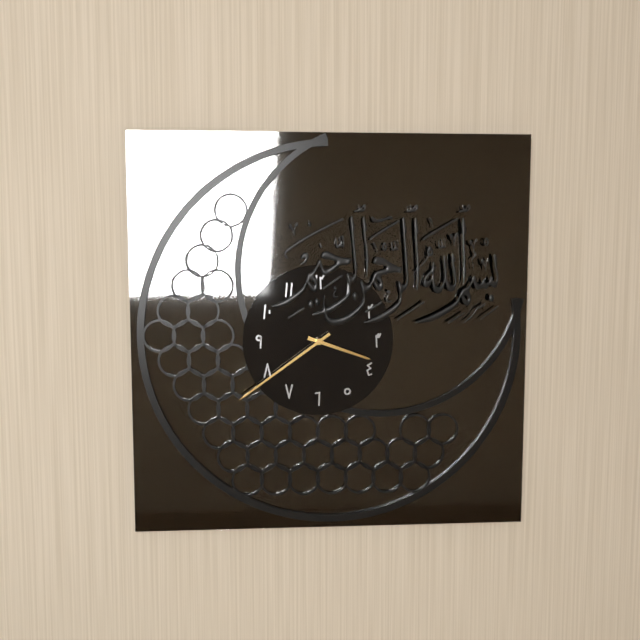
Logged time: 3 h 39 min
